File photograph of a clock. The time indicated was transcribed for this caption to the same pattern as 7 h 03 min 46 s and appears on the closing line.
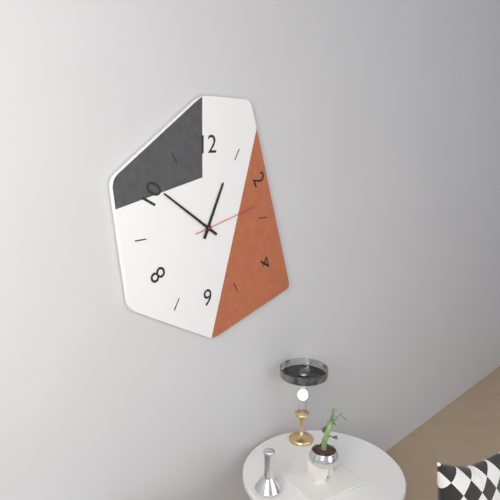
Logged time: 12 h 51 min 13 s
